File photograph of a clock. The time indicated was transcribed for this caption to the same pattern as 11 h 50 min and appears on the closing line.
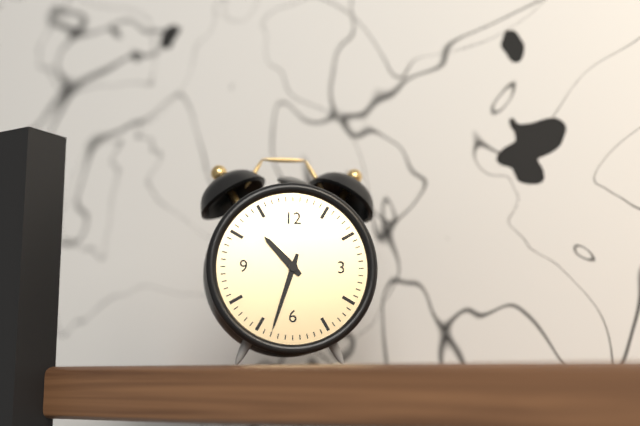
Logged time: 10 h 33 min
